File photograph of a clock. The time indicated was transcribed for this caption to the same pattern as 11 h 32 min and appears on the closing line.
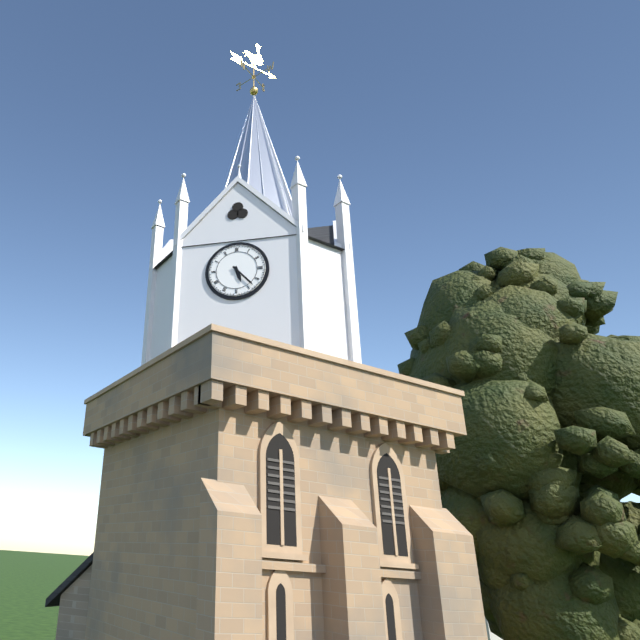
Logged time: 5 h 23 min
